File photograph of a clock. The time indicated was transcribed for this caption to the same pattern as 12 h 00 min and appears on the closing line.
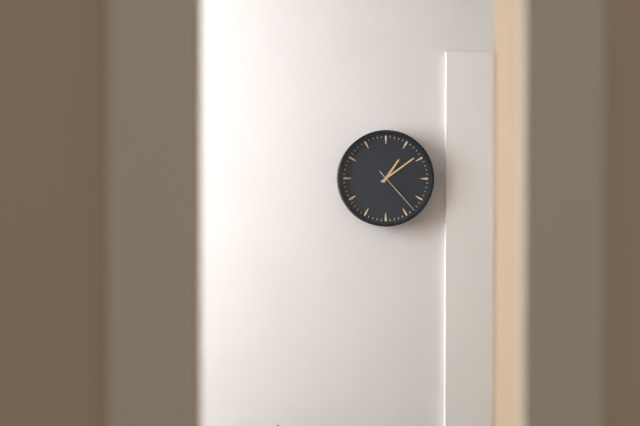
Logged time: 1 h 09 min
